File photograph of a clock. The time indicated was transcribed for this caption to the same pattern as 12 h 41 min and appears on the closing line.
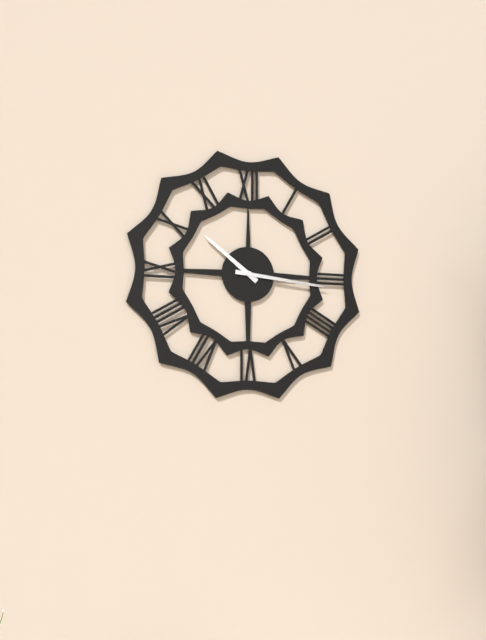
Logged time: 10 h 16 min
